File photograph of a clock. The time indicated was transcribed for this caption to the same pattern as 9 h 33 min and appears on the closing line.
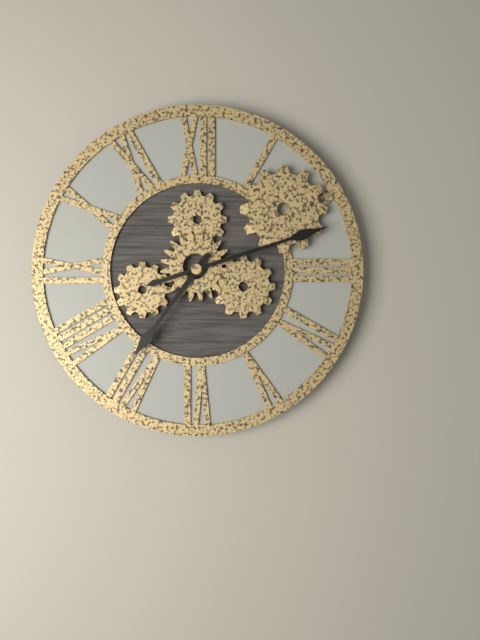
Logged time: 7 h 12 min
